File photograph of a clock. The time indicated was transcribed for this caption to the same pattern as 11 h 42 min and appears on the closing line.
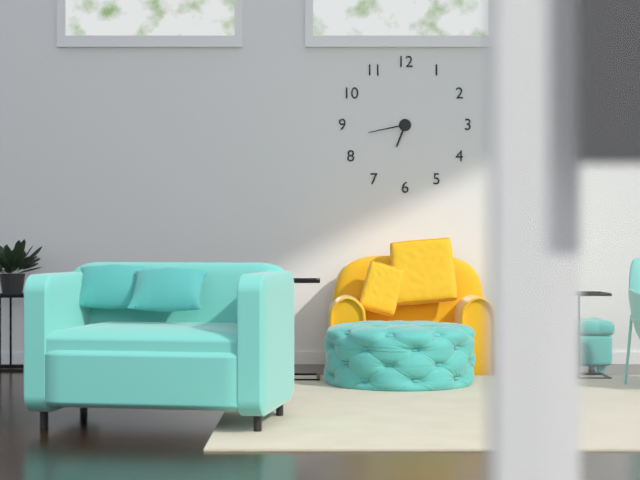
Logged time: 6 h 43 min
